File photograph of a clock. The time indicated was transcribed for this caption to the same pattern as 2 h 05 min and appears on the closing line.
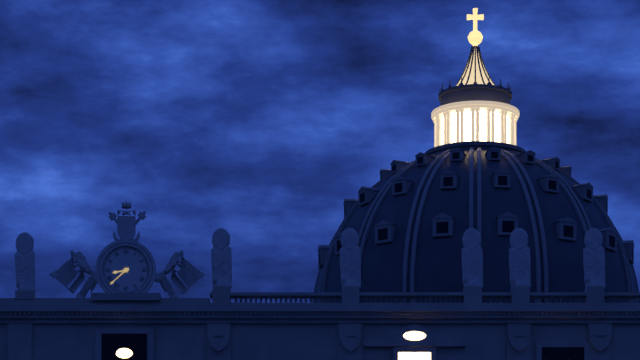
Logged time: 8 h 38 min
